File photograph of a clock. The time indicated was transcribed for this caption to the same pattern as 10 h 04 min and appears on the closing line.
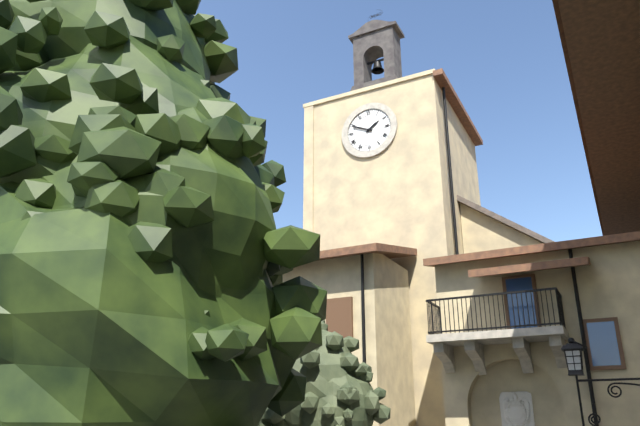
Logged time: 1 h 49 min
